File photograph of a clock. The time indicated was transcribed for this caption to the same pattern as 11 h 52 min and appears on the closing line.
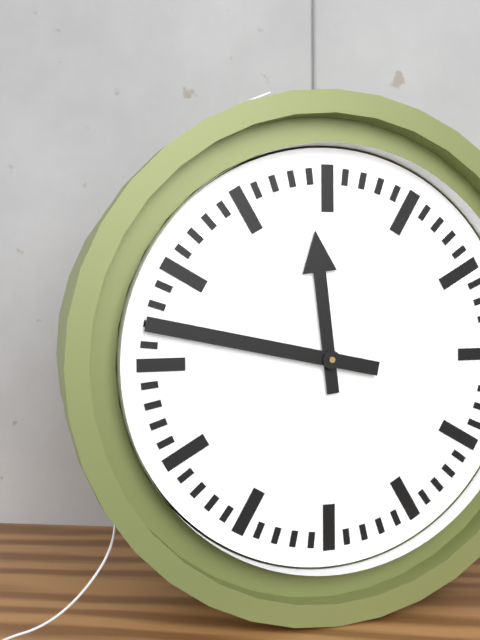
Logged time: 11 h 47 min
